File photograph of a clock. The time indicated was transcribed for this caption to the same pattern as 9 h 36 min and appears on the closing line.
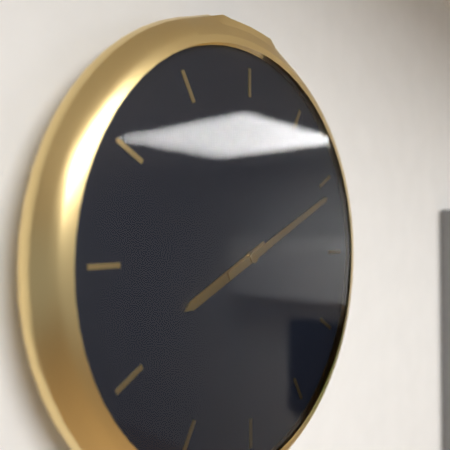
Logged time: 8 h 11 min
